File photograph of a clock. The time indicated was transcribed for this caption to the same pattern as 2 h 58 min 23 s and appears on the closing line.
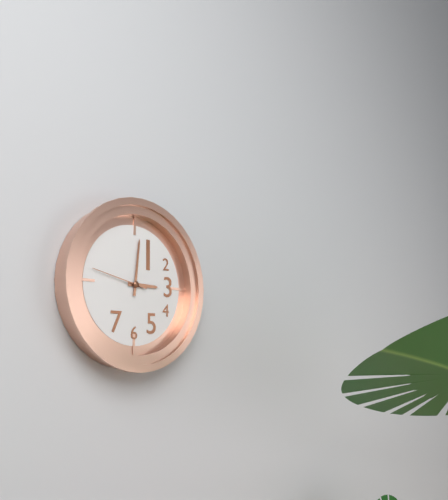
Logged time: 3 h 01 min 47 s
